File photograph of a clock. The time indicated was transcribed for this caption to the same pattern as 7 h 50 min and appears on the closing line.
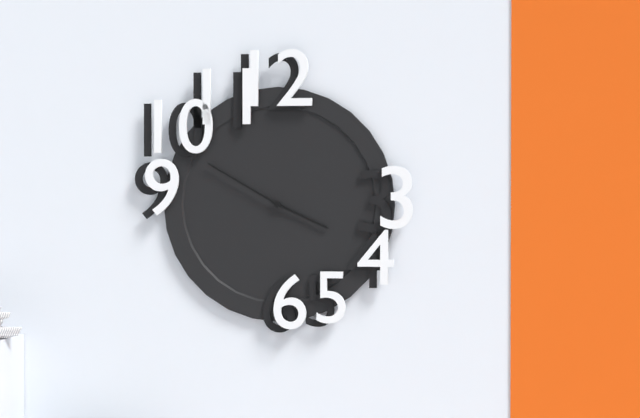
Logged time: 3 h 50 min
